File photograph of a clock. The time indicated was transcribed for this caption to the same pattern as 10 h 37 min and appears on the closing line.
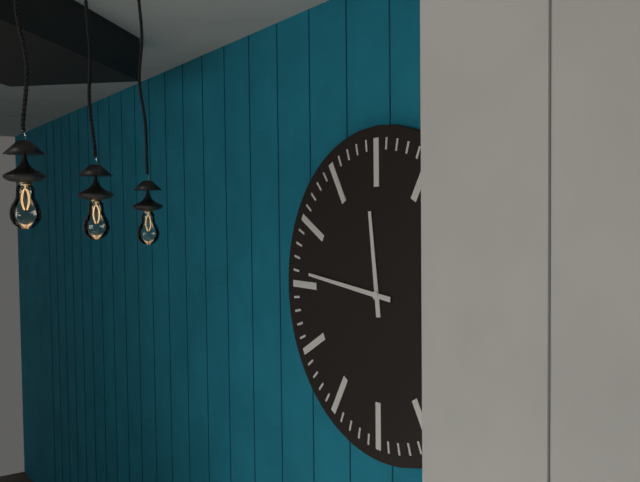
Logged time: 11 h 46 min
